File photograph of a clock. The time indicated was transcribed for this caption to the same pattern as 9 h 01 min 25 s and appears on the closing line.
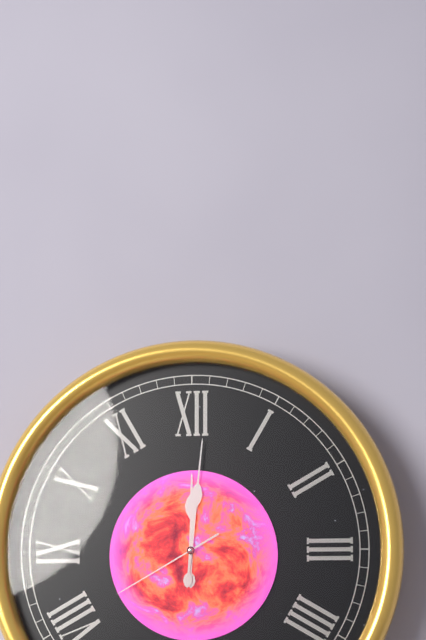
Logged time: 12 h 01 min 40 s
